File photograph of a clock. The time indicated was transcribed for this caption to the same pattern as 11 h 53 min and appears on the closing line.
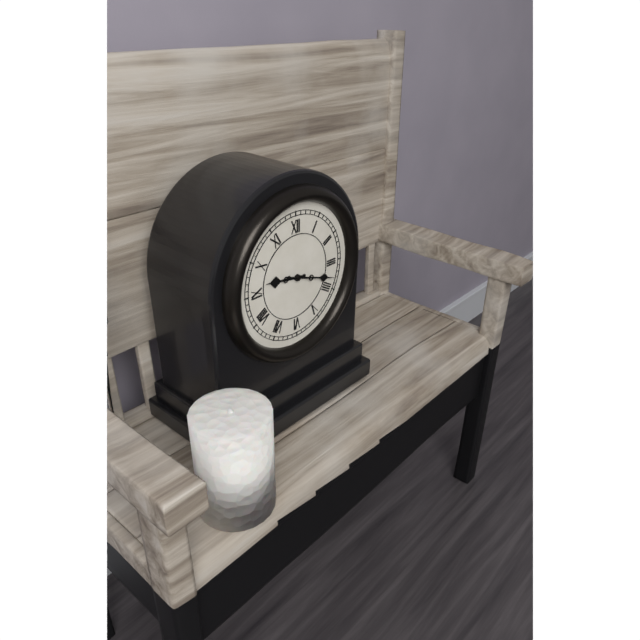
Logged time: 9 h 18 min
